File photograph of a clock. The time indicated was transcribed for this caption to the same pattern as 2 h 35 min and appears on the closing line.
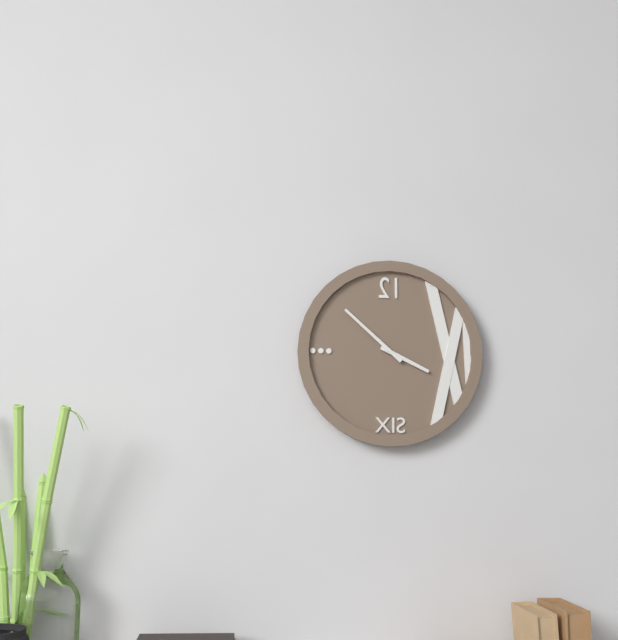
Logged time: 3 h 52 min
